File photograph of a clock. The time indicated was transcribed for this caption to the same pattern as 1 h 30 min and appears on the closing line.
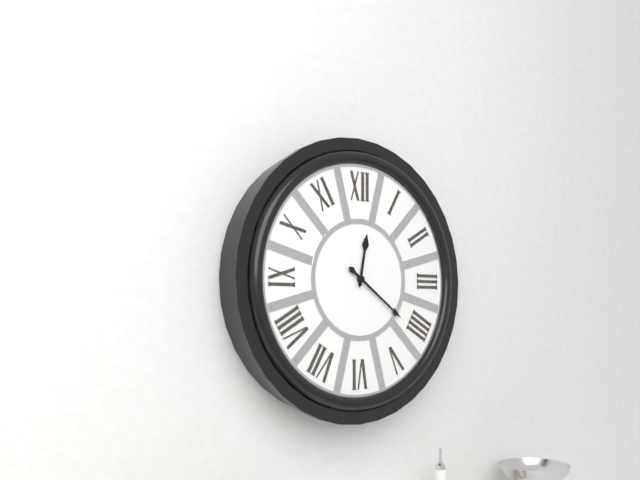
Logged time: 12 h 21 min
